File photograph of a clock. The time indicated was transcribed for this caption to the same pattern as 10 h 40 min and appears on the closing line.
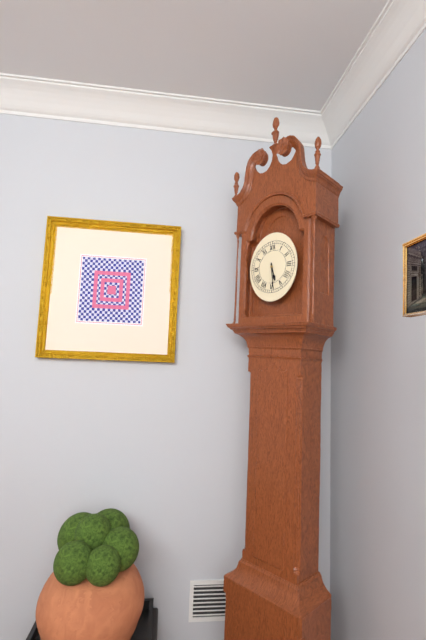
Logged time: 5 h 29 min
